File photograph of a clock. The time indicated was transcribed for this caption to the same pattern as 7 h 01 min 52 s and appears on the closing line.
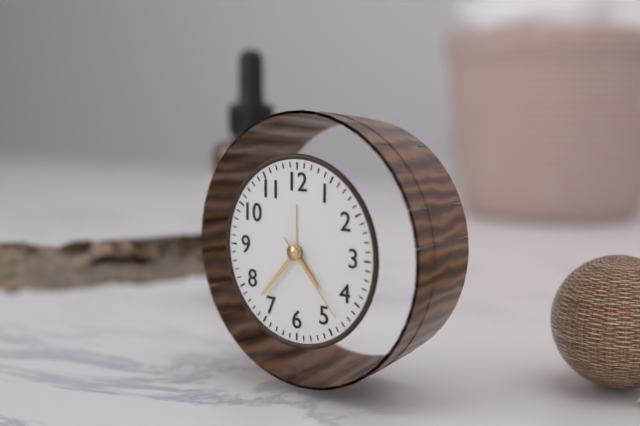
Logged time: 4 h 37 min 23 s
